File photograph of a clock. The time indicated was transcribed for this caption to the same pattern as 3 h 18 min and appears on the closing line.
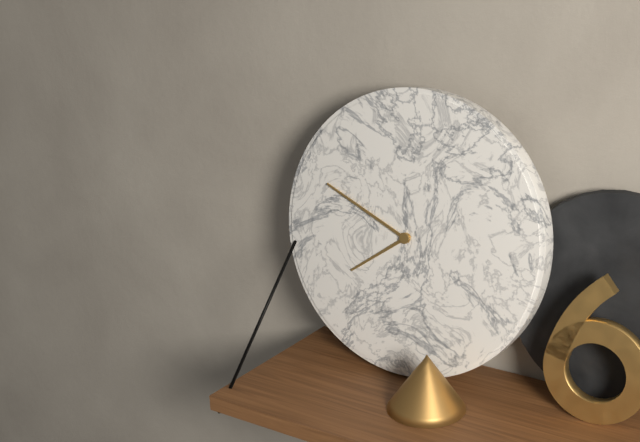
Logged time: 7 h 49 min
